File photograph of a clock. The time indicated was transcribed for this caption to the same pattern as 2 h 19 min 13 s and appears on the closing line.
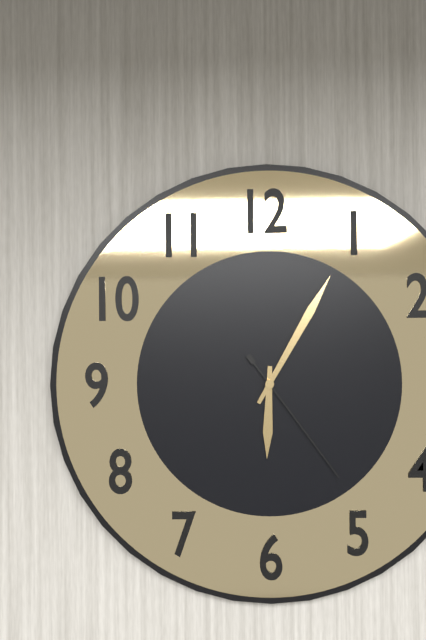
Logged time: 6 h 05 min 24 s
